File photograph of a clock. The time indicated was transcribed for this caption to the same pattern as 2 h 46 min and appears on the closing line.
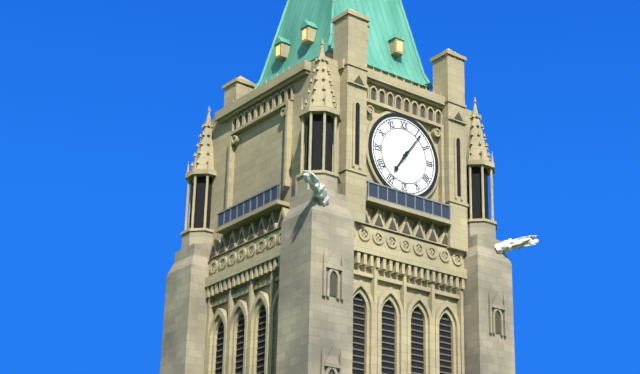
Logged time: 7 h 06 min
